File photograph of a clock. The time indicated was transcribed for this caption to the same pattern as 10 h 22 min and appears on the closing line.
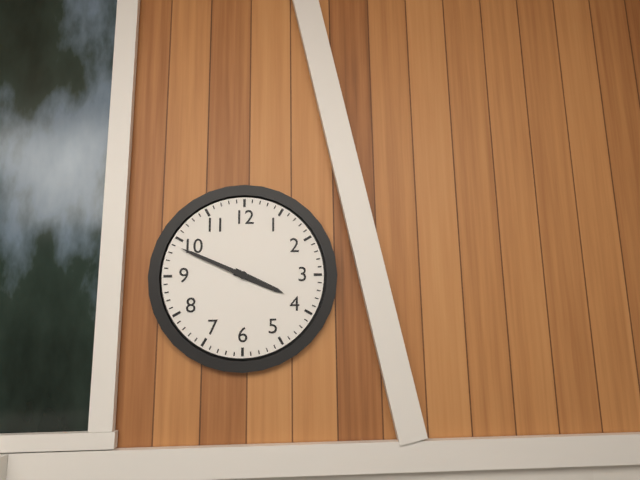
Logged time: 3 h 49 min
